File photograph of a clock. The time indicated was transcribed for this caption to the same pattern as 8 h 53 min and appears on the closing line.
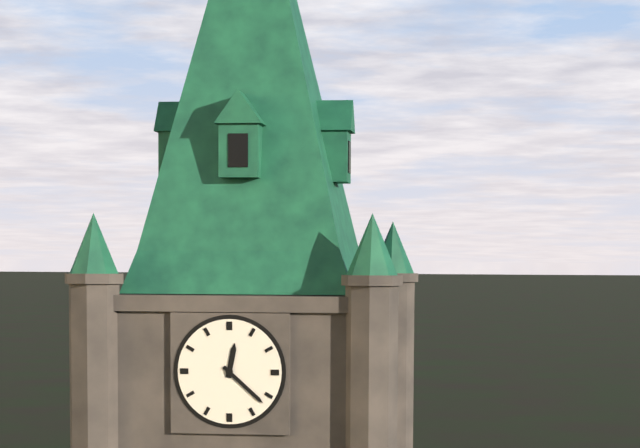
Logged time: 12 h 22 min
